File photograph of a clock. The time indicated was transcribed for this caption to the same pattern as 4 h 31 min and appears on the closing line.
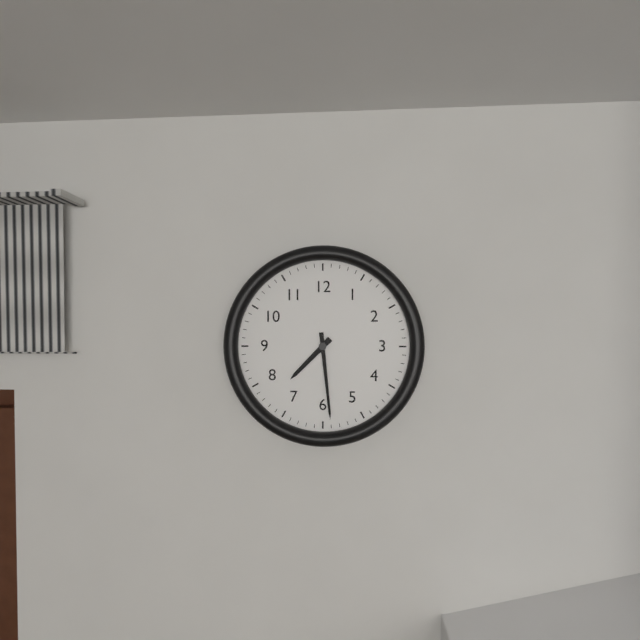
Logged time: 7 h 29 min
